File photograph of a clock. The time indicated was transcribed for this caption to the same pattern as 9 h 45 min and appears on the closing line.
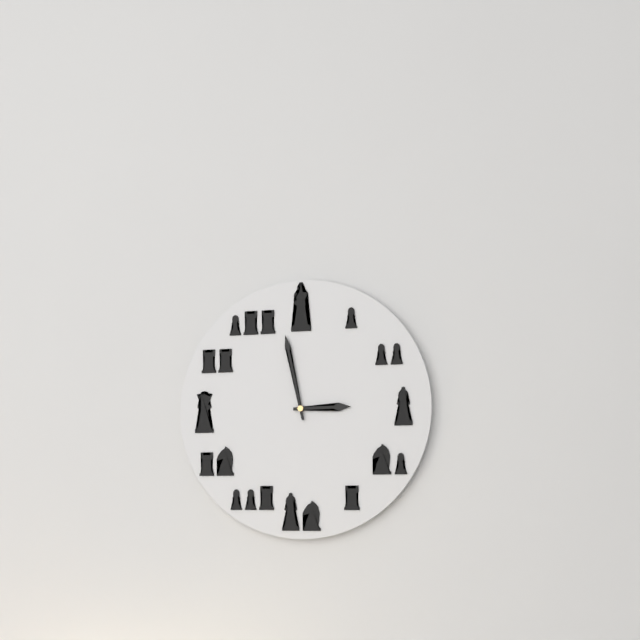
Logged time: 2 h 58 min
